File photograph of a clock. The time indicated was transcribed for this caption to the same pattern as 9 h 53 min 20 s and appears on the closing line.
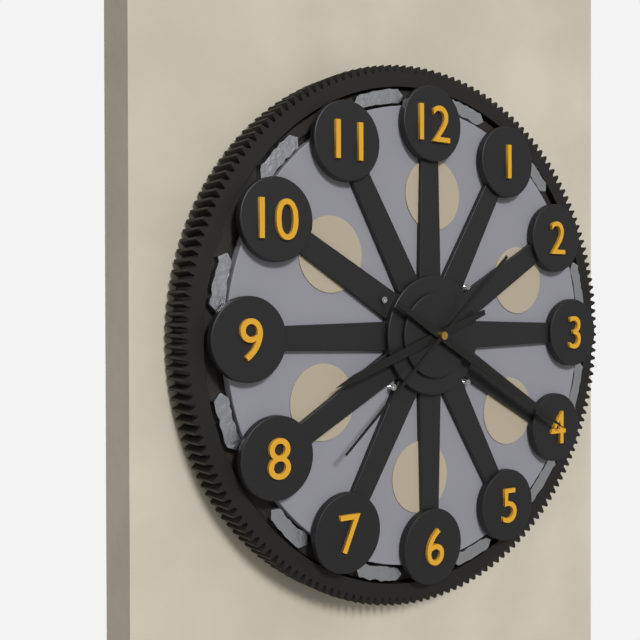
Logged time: 8 h 20 min 38 s
